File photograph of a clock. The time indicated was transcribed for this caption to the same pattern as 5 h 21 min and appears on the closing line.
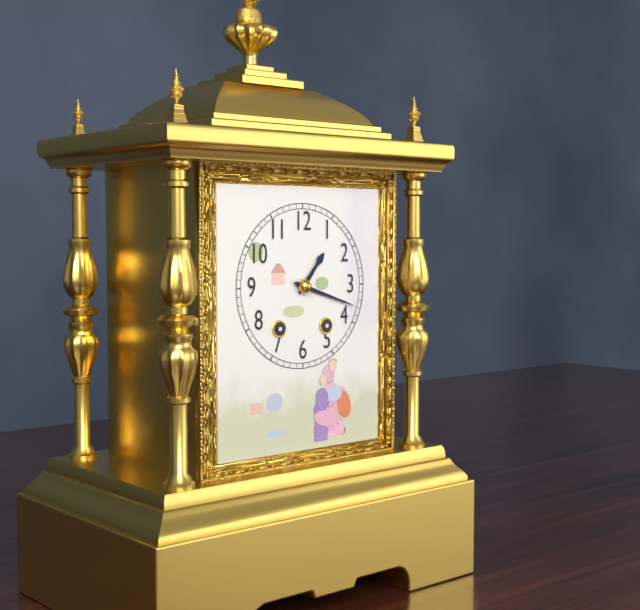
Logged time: 1 h 18 min
